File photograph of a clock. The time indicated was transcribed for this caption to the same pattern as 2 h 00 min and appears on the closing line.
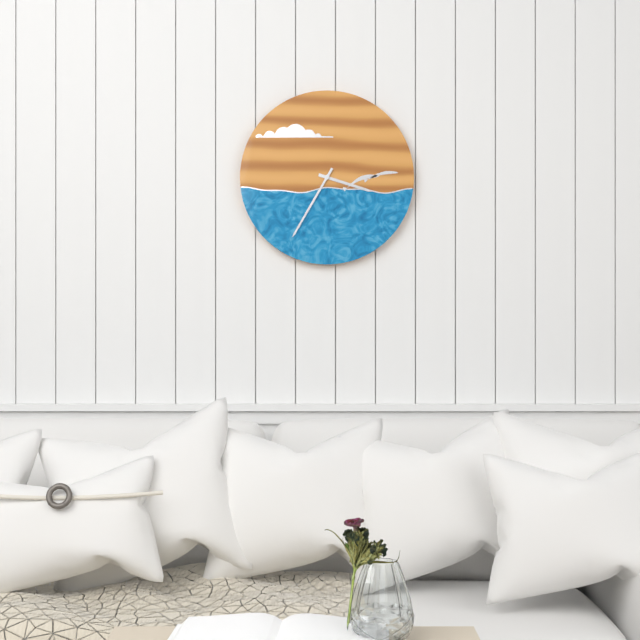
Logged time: 3 h 35 min
